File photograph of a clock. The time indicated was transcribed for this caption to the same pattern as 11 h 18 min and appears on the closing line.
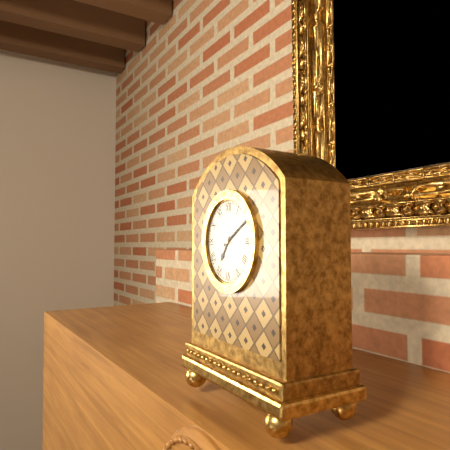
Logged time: 7 h 10 min
